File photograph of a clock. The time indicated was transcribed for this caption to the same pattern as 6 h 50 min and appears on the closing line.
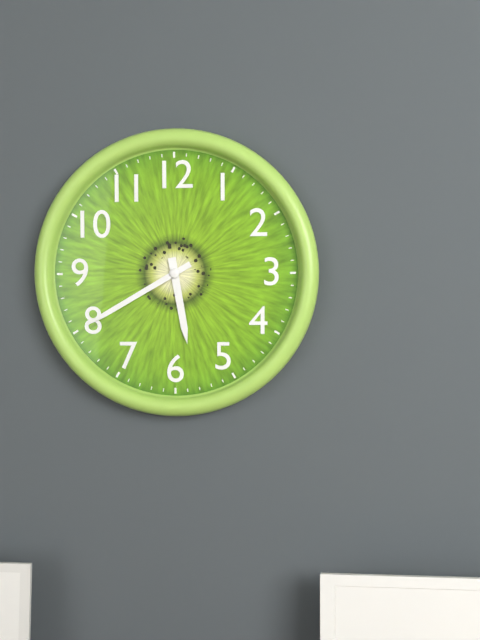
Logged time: 5 h 40 min
